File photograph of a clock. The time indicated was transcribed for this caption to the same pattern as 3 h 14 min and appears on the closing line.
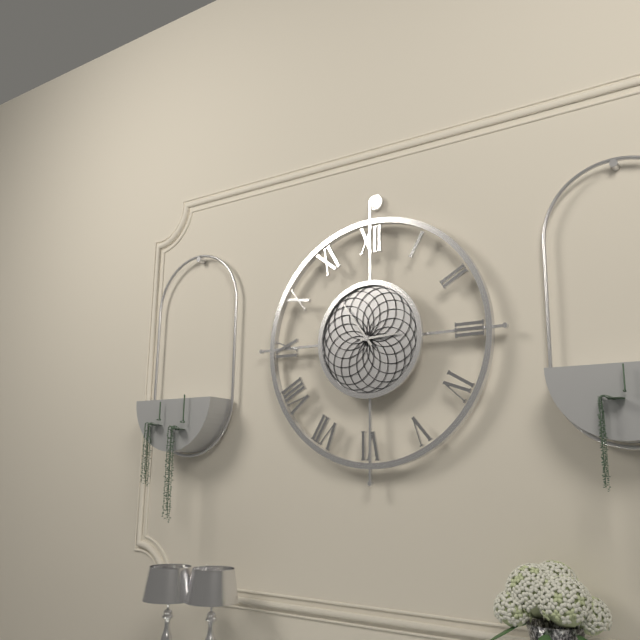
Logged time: 2 h 54 min
